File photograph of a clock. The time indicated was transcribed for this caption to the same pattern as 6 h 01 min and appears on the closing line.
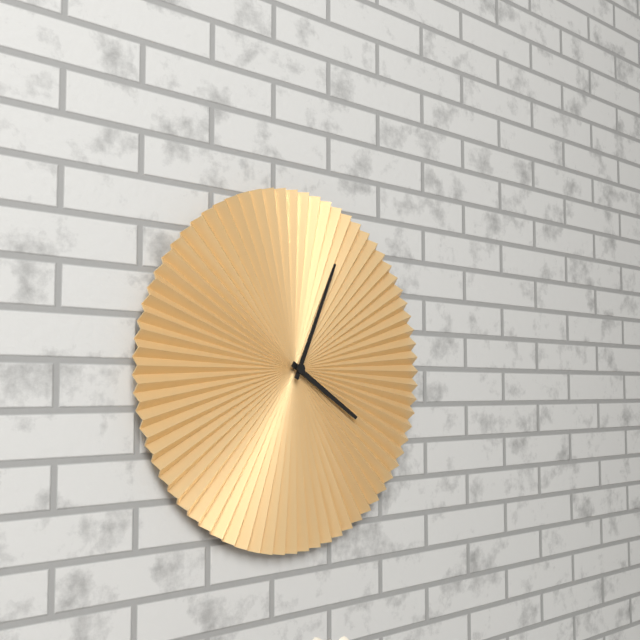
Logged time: 4 h 04 min
